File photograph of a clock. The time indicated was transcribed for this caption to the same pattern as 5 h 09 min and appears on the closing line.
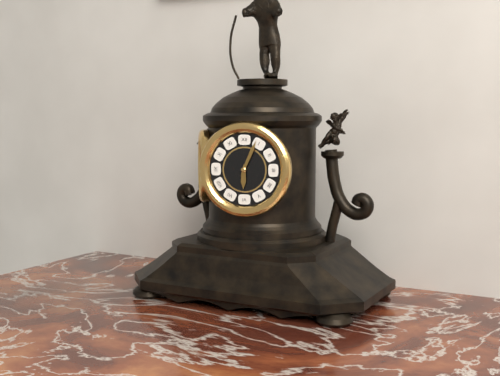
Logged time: 6 h 04 min
